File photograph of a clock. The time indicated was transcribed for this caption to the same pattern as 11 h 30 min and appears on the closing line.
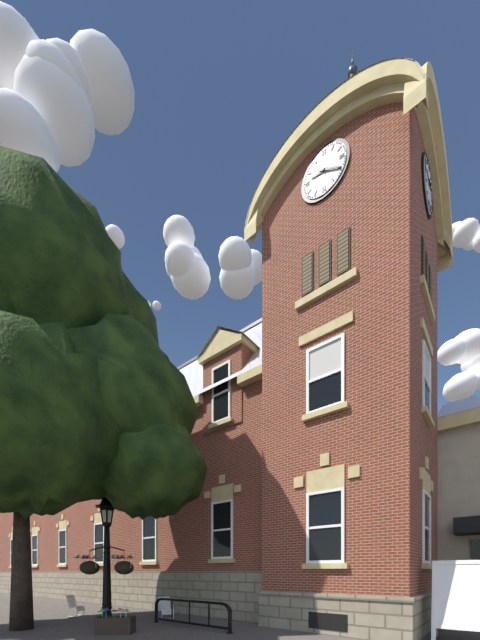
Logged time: 9 h 20 min
